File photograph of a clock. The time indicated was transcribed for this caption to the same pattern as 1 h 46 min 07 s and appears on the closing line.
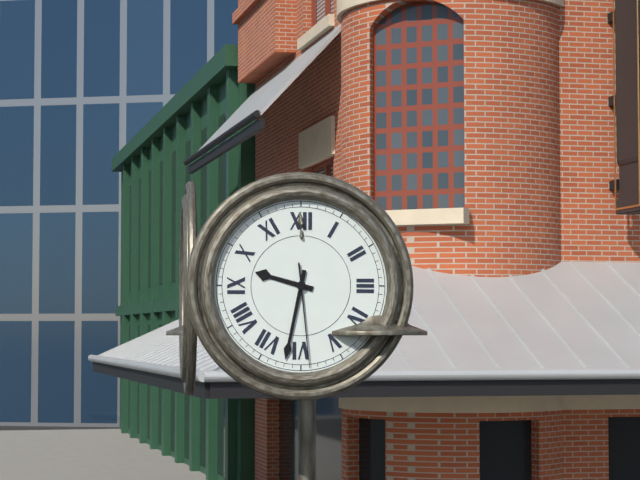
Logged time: 9 h 32 min 29 s
